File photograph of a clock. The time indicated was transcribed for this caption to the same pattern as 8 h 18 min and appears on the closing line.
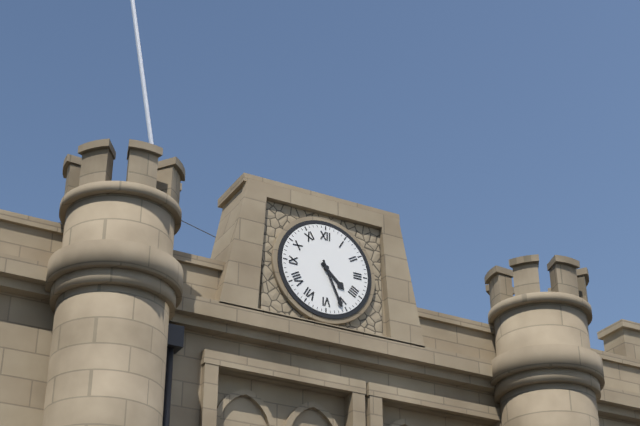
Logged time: 4 h 26 min
